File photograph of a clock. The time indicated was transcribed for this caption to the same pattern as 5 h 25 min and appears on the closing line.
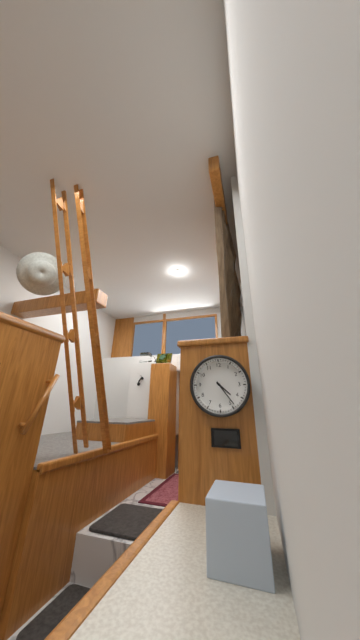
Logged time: 4 h 24 min
